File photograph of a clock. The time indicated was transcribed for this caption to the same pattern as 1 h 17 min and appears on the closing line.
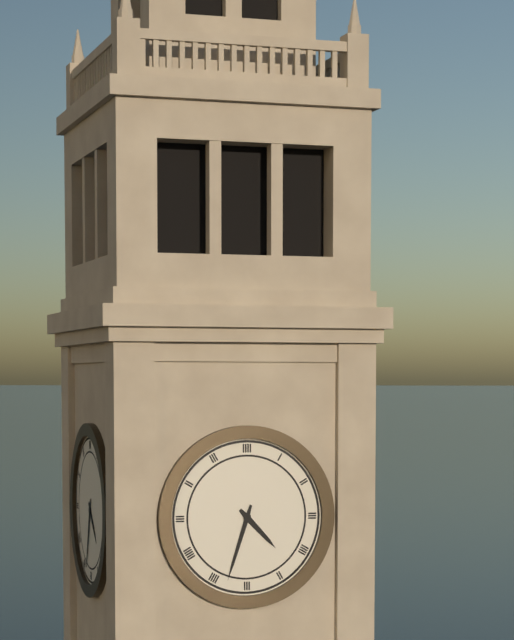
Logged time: 4 h 33 min
